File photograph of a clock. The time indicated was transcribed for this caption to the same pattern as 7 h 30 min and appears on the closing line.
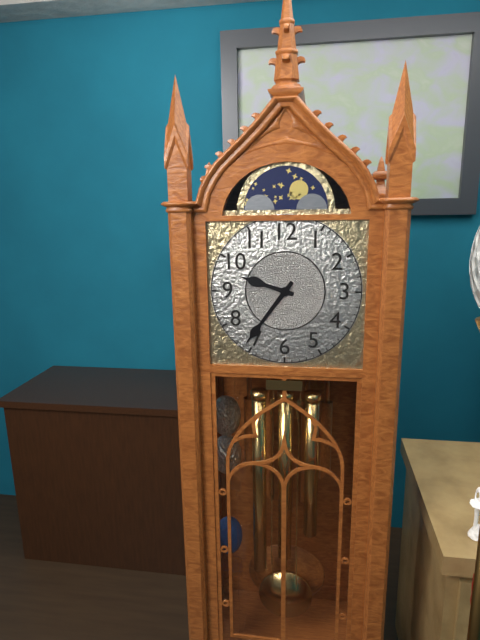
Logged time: 9 h 36 min
